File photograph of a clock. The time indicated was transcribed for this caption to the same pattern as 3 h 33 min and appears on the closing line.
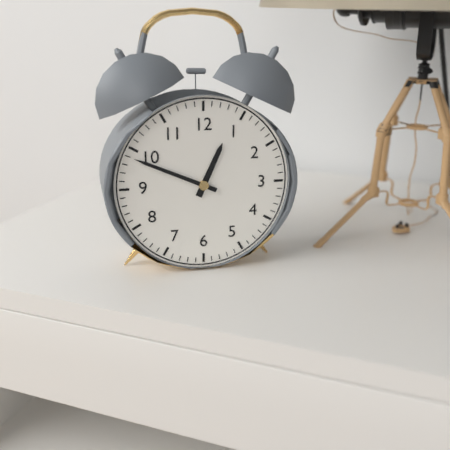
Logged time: 12 h 49 min
